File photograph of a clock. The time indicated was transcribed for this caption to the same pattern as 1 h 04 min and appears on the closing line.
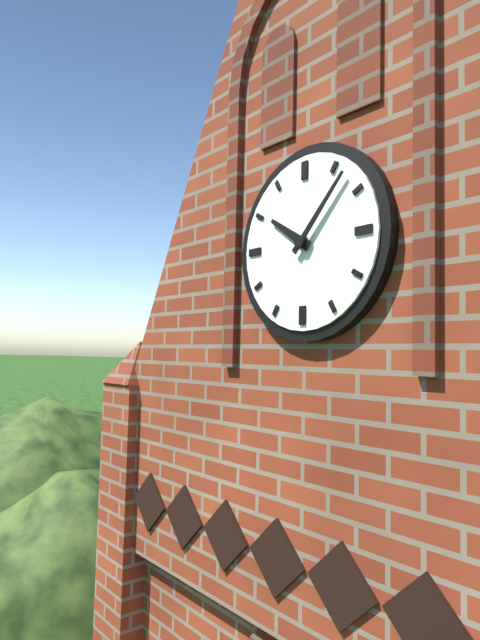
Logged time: 10 h 07 min
